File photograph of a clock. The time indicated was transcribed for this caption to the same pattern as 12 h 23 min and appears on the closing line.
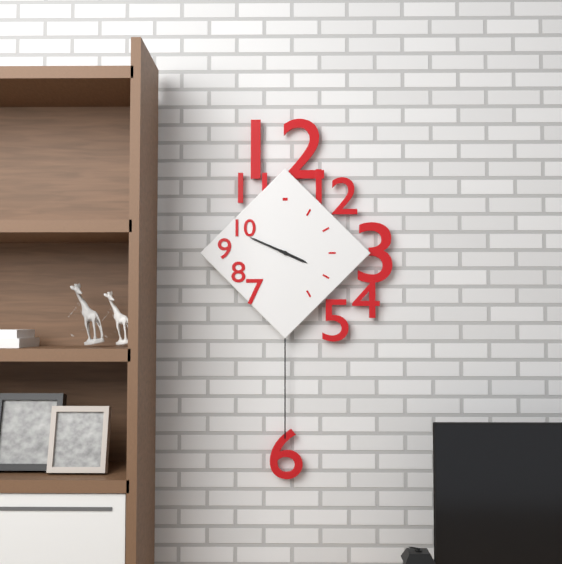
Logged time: 3 h 49 min
